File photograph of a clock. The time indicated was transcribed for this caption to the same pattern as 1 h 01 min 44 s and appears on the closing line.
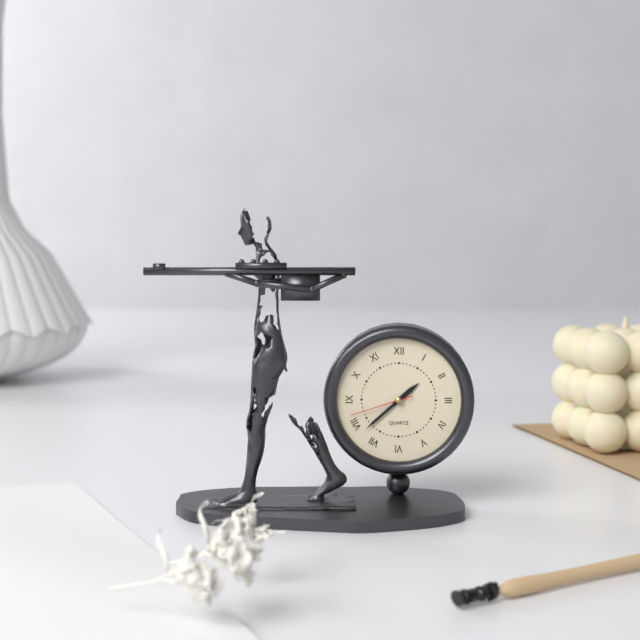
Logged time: 1 h 38 min 42 s
